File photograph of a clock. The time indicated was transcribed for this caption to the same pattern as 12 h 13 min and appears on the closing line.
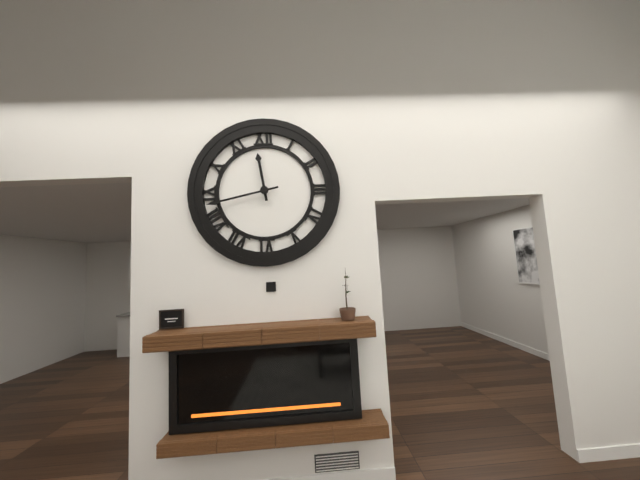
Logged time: 11 h 43 min
